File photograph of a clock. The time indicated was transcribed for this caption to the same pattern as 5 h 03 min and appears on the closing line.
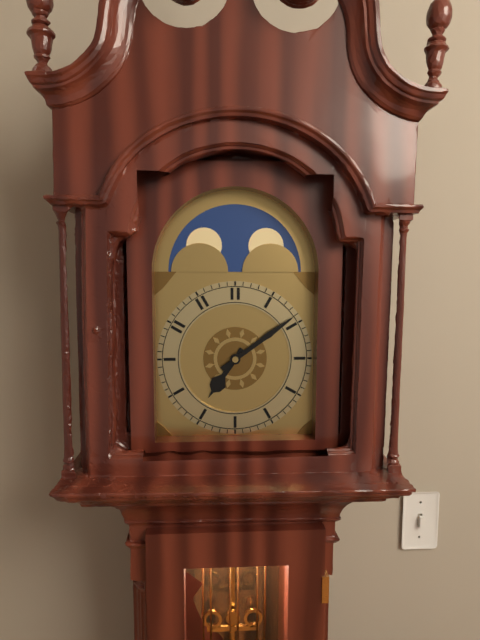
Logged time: 7 h 09 min
